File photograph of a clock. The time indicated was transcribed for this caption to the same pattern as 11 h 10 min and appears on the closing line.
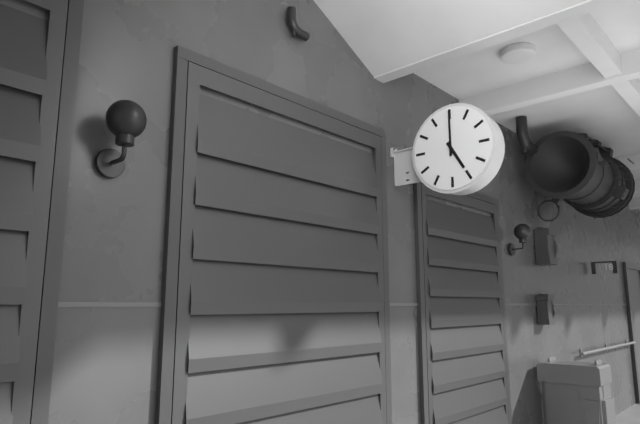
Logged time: 5 h 00 min
